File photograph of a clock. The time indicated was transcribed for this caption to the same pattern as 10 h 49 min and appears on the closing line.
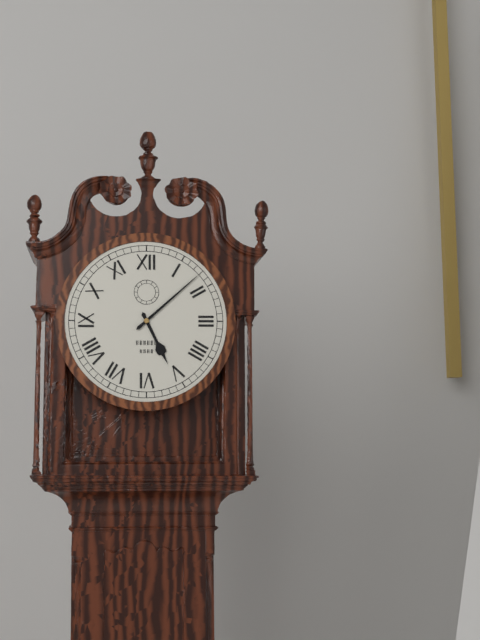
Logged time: 5 h 08 min
